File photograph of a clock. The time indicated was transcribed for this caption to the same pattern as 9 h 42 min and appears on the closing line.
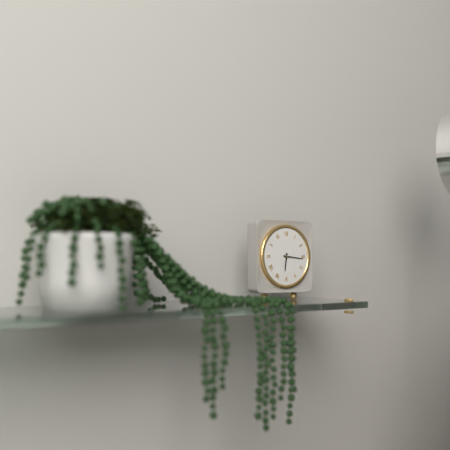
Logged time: 6 h 16 min
